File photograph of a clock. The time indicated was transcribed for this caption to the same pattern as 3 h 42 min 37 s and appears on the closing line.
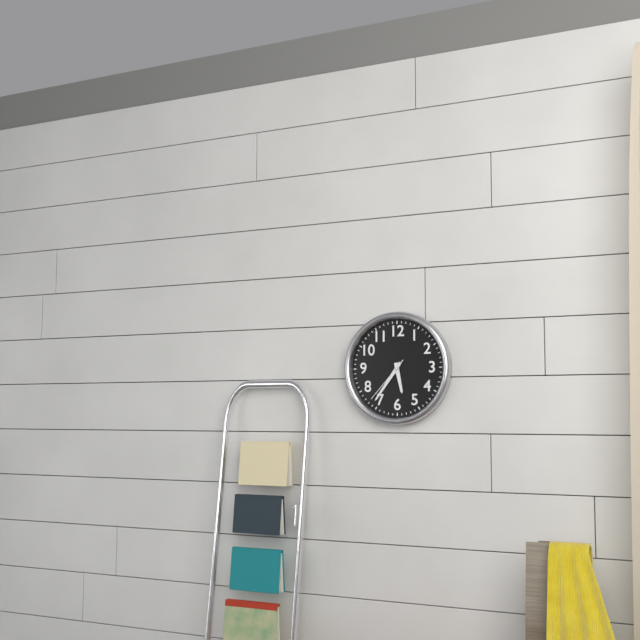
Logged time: 5 h 36 min 37 s
